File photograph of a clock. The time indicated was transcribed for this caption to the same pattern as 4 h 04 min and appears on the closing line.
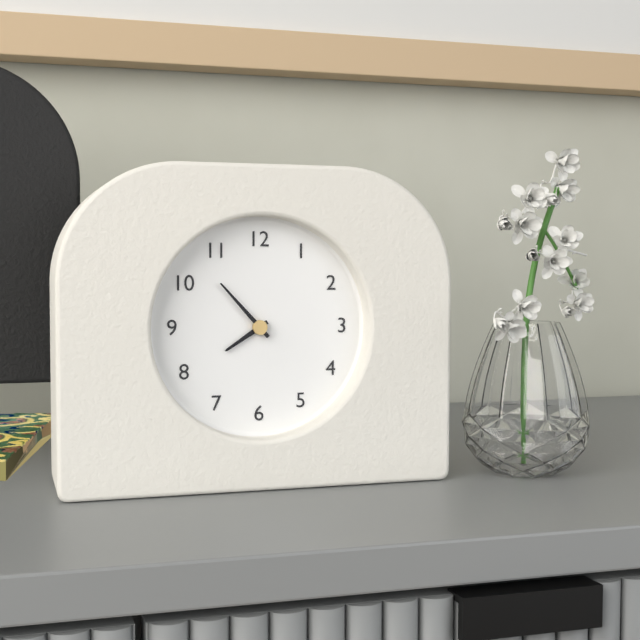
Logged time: 7 h 53 min
